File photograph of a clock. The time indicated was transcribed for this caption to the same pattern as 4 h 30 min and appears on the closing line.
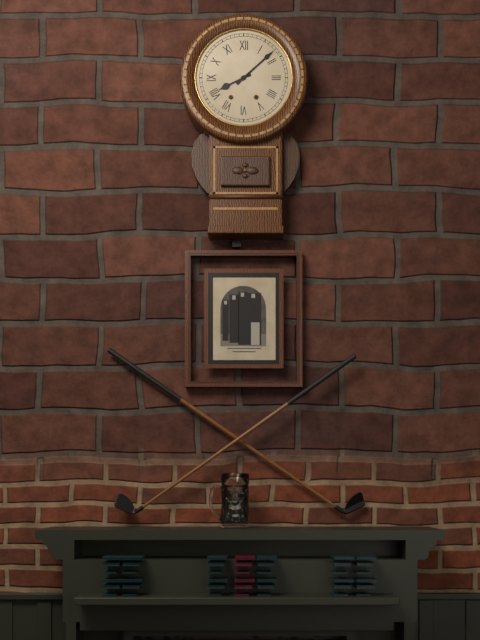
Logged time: 8 h 08 min
